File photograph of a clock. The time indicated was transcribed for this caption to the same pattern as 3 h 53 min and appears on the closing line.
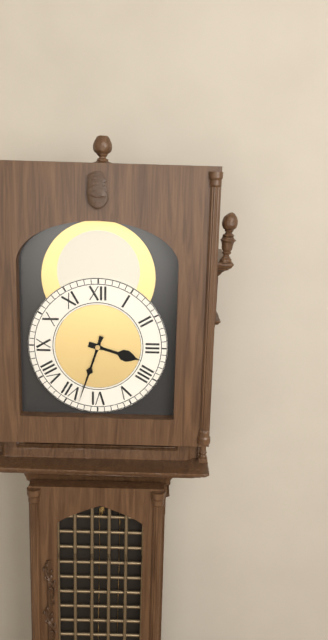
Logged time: 3 h 33 min
